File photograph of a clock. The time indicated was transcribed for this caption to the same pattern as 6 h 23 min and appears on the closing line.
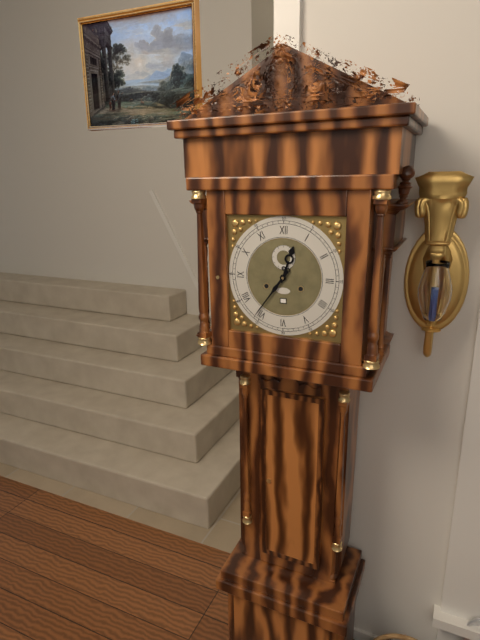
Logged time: 12 h 36 min
